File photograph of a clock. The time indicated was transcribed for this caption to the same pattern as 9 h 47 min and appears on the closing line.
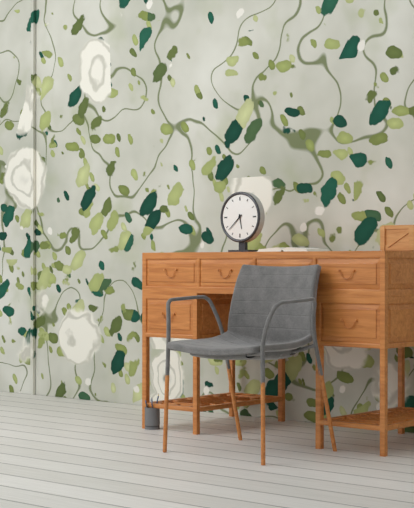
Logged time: 5 h 38 min
